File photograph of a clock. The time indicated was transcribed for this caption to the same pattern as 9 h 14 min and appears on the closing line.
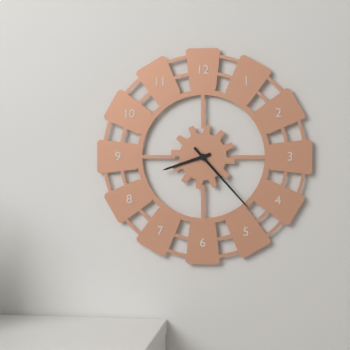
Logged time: 8 h 23 min
